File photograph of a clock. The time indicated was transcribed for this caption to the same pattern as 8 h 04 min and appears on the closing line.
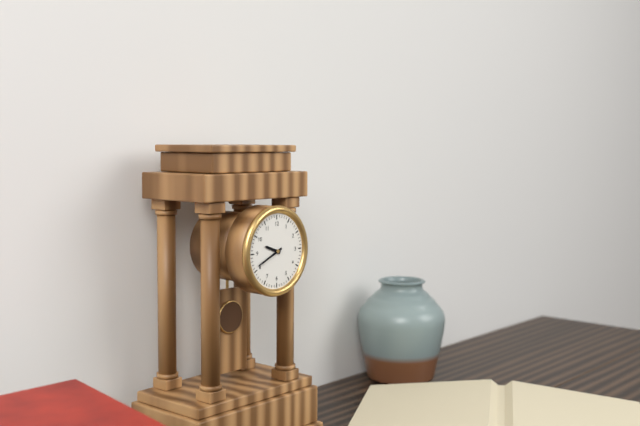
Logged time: 9 h 41 min
